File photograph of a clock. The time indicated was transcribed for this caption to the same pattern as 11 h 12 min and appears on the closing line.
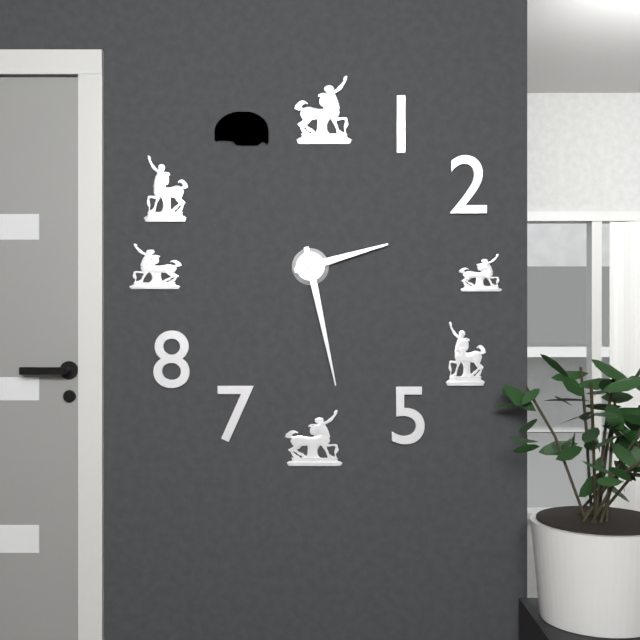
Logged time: 2 h 28 min
